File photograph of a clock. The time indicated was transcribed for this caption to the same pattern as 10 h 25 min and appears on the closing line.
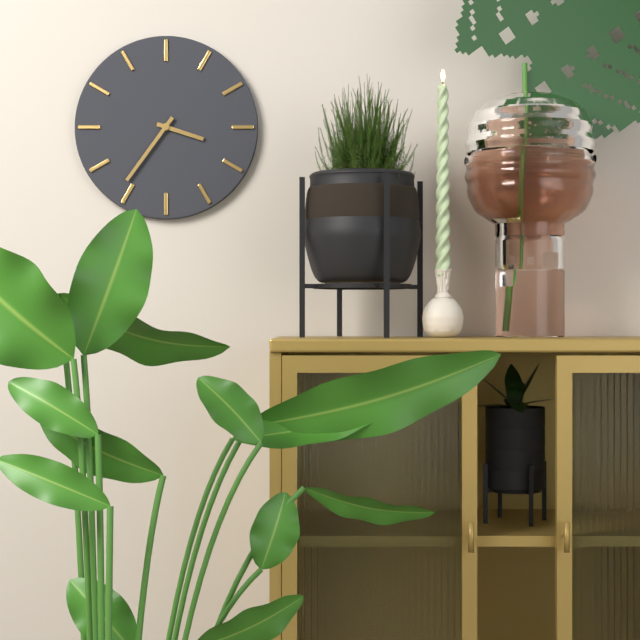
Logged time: 3 h 36 min
